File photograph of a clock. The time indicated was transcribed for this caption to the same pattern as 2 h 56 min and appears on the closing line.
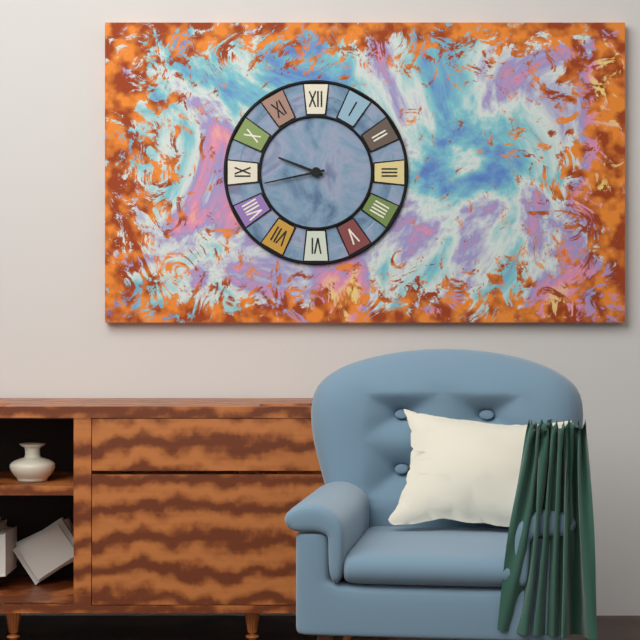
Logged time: 9 h 43 min
